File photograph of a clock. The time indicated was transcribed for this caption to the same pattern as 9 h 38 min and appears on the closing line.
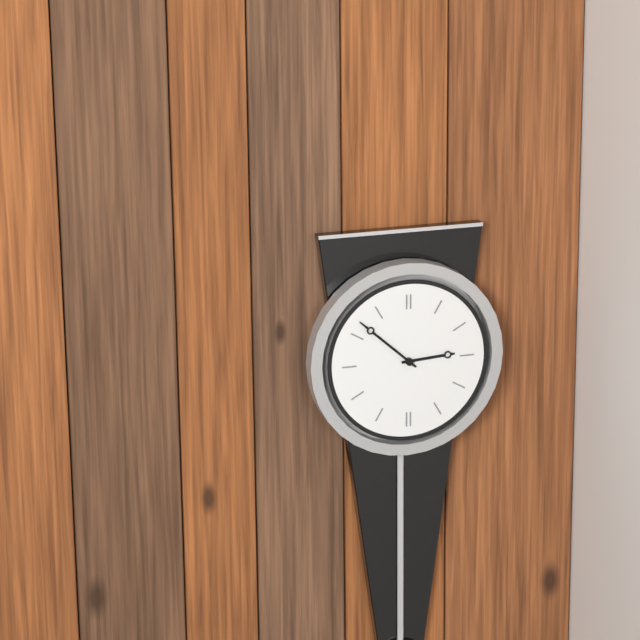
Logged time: 2 h 52 min
